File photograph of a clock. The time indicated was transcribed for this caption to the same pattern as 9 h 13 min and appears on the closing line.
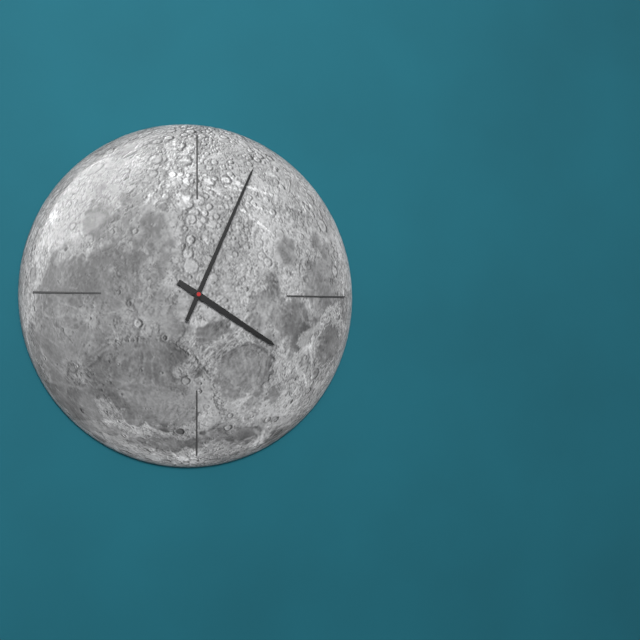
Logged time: 4 h 04 min
